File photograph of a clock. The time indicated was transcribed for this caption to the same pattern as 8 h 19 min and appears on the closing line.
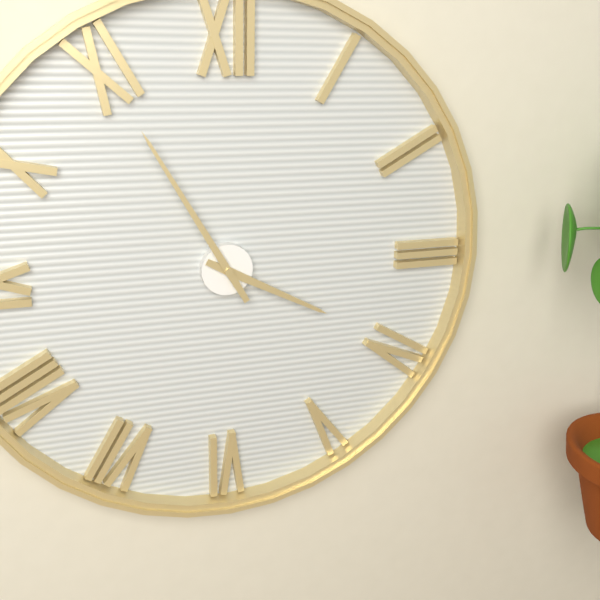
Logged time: 3 h 55 min
